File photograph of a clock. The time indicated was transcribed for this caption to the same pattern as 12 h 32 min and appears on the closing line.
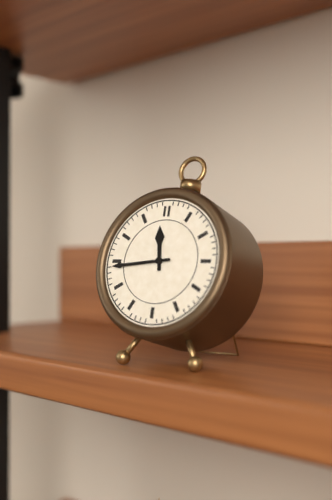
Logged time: 11 h 44 min
